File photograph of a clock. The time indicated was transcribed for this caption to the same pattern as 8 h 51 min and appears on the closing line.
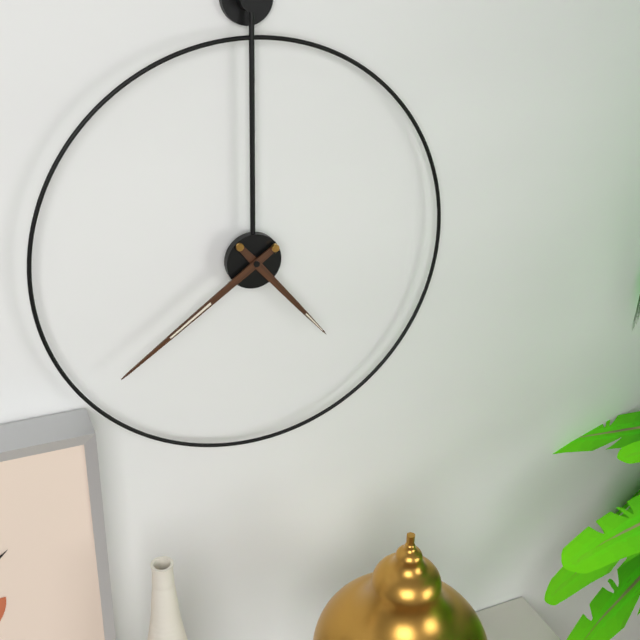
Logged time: 4 h 39 min
